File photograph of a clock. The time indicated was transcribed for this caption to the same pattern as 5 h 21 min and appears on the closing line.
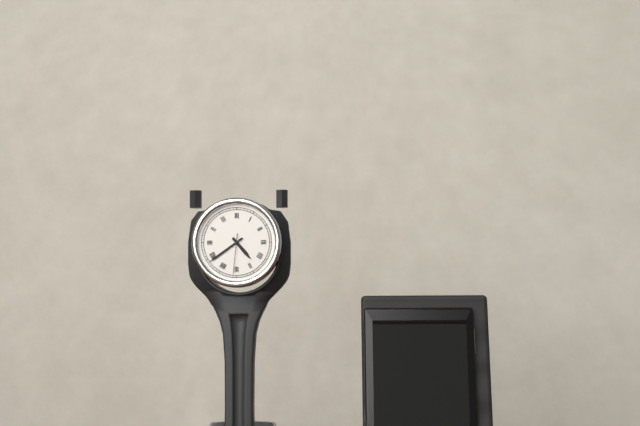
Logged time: 4 h 39 min
